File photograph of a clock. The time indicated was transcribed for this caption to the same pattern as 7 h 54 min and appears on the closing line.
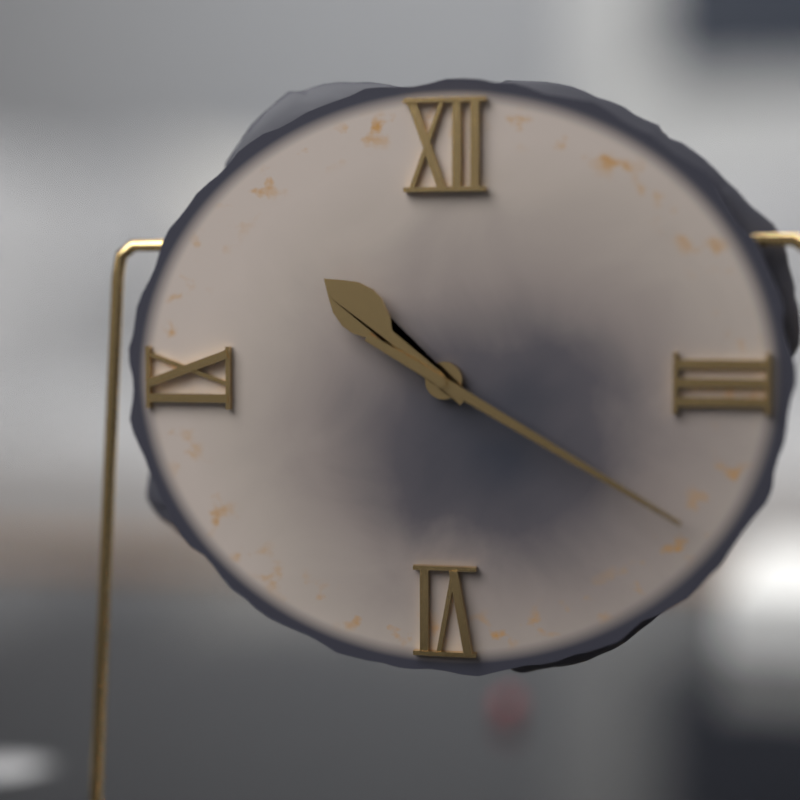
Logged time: 10 h 20 min
